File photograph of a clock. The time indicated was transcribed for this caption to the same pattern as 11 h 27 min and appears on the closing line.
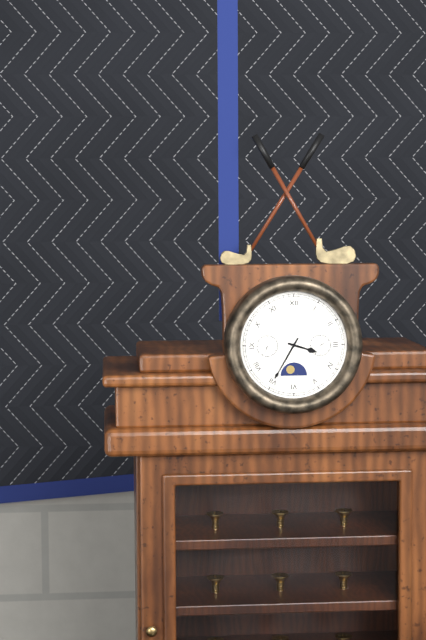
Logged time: 3 h 35 min
